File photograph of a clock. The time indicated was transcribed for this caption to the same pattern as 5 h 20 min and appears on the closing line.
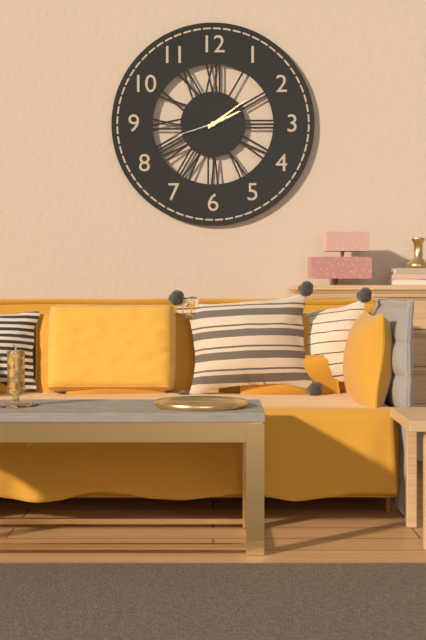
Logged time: 2 h 09 min
